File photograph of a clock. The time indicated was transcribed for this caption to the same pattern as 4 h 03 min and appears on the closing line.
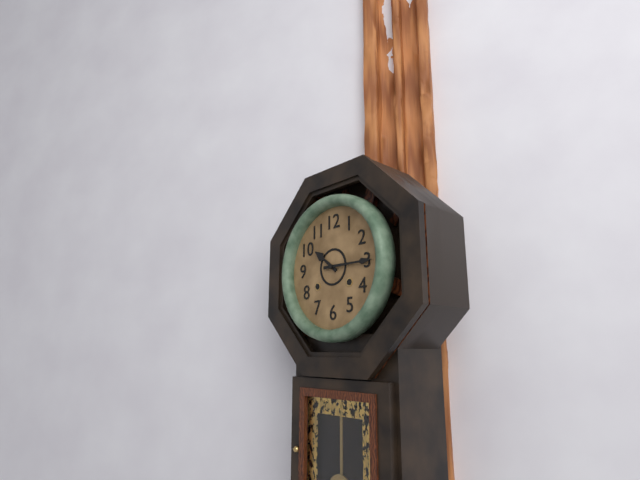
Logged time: 10 h 15 min
